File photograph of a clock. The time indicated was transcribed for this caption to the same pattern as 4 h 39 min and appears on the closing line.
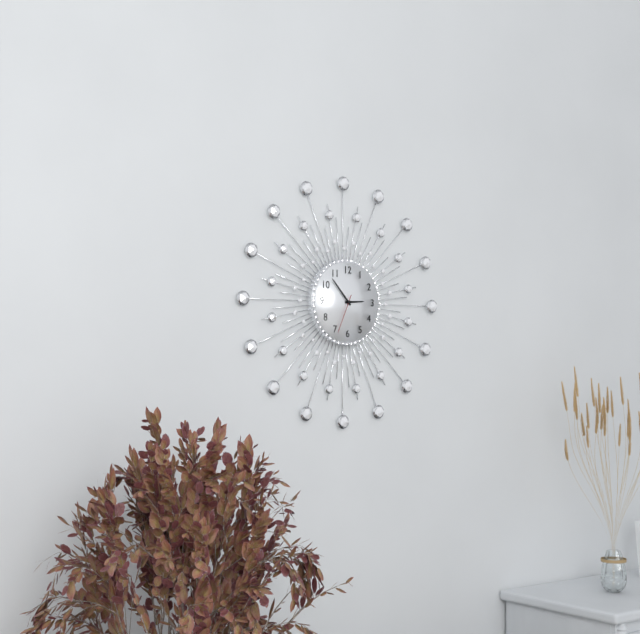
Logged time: 2 h 53 min
